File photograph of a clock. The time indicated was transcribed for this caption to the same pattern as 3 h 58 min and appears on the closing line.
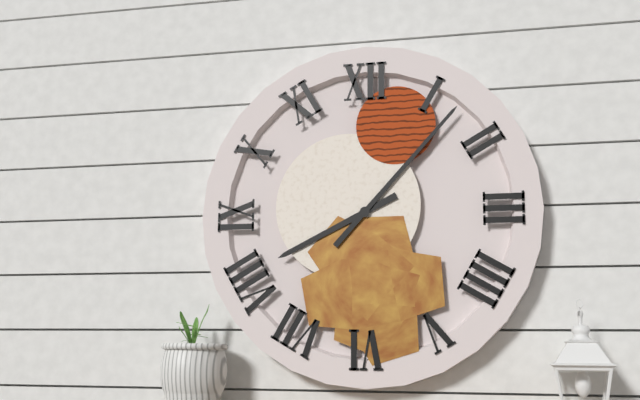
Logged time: 8 h 07 min
